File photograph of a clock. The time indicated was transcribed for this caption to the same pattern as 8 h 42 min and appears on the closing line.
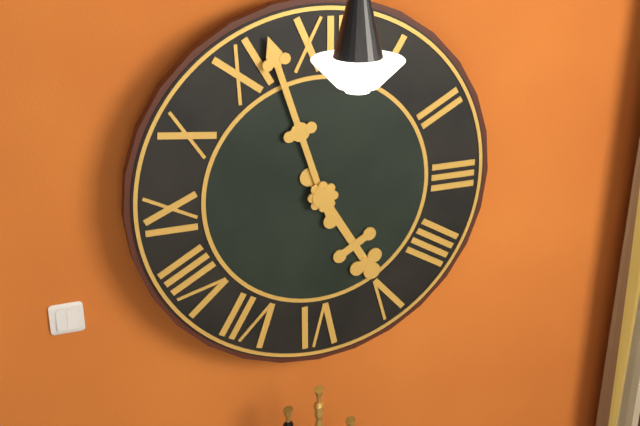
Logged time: 4 h 57 min
